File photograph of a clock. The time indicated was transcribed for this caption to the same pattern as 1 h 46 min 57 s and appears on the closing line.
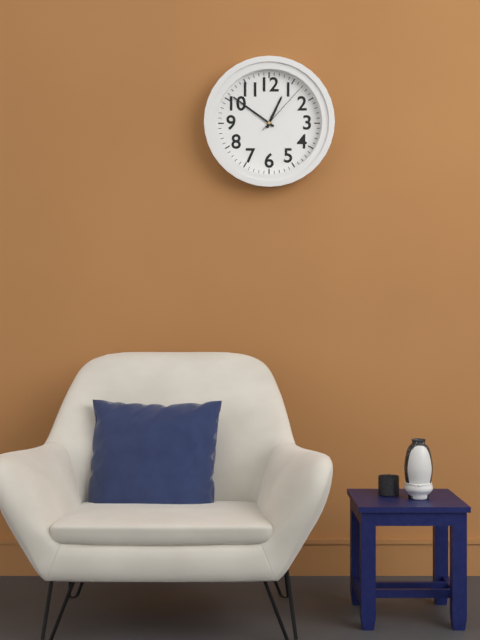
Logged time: 12 h 51 min 07 s
